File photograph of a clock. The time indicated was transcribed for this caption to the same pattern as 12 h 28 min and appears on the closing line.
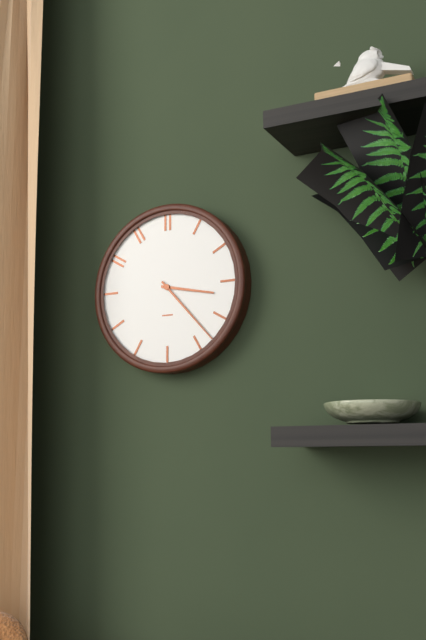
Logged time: 3 h 23 min
